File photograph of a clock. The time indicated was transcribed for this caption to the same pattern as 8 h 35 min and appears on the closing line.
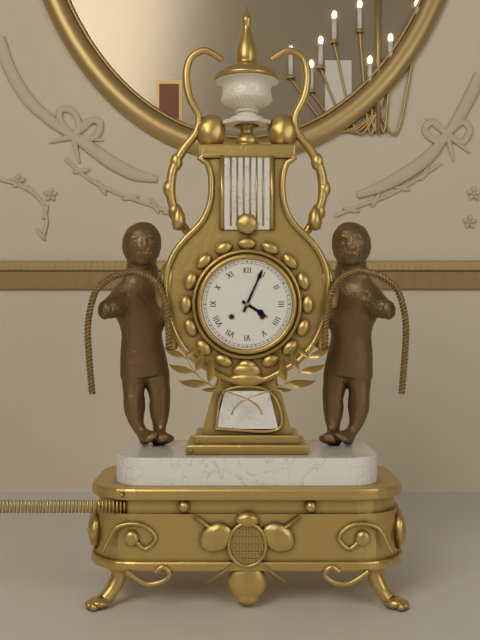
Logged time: 4 h 04 min
